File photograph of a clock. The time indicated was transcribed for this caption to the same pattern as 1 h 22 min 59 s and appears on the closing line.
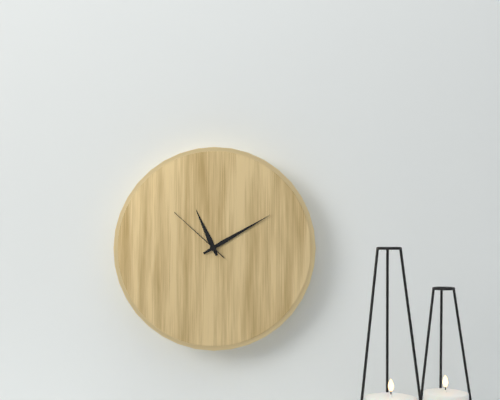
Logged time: 11 h 10 min 52 s
